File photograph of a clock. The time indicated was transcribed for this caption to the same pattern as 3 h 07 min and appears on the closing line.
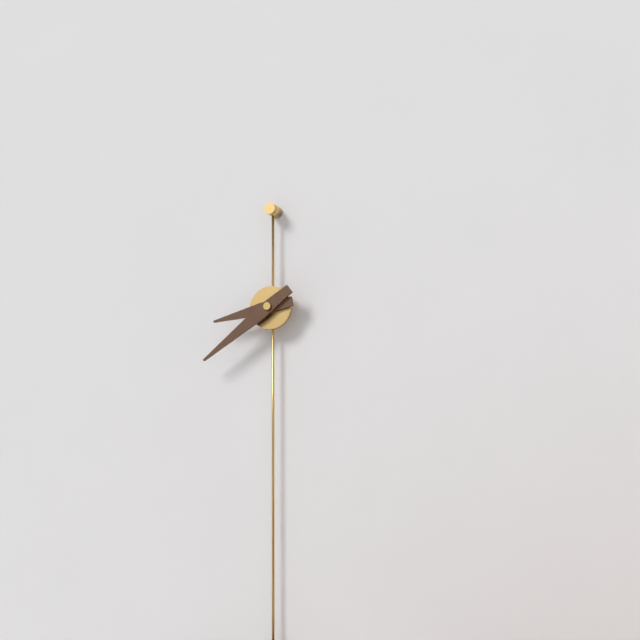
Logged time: 8 h 39 min
